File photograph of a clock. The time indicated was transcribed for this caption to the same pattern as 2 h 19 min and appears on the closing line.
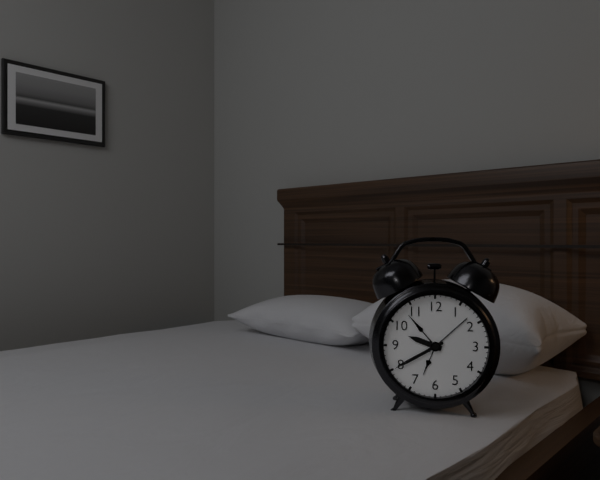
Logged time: 9 h 40 min
